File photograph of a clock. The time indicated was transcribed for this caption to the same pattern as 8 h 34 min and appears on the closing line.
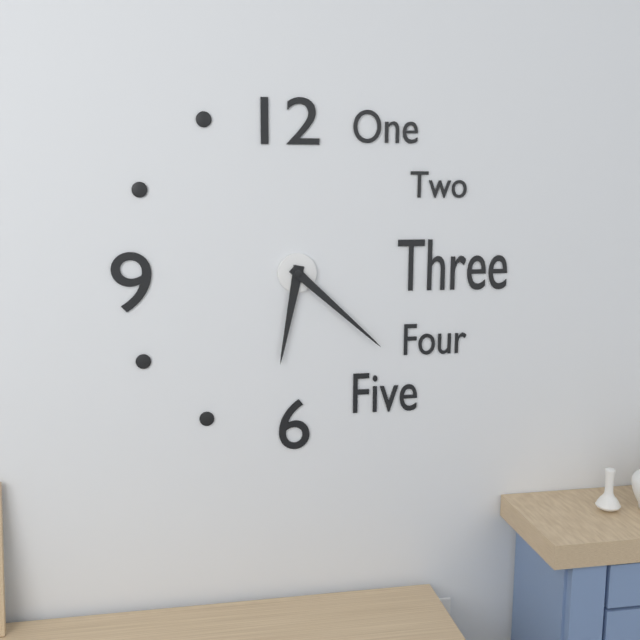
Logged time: 6 h 22 min
